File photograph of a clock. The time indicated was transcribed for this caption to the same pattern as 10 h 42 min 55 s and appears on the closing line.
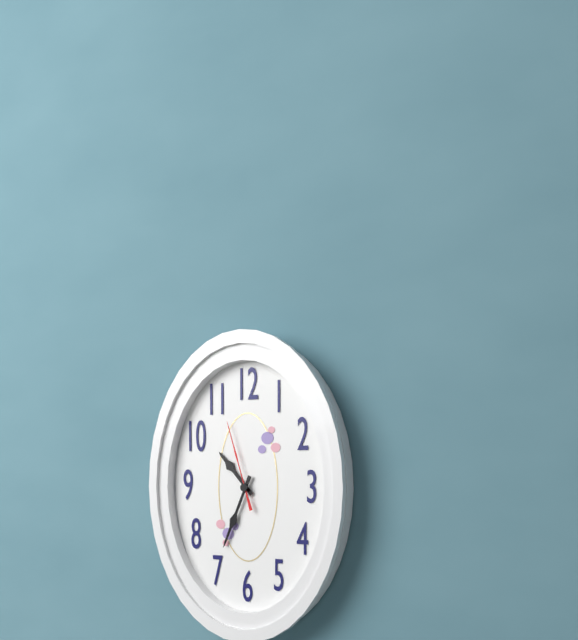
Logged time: 10 h 34 min 57 s
